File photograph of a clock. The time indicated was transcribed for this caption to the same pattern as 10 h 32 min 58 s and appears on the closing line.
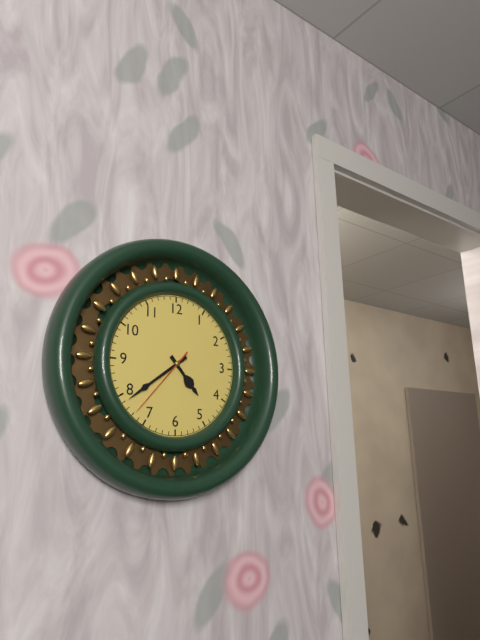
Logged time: 4 h 39 min 37 s
